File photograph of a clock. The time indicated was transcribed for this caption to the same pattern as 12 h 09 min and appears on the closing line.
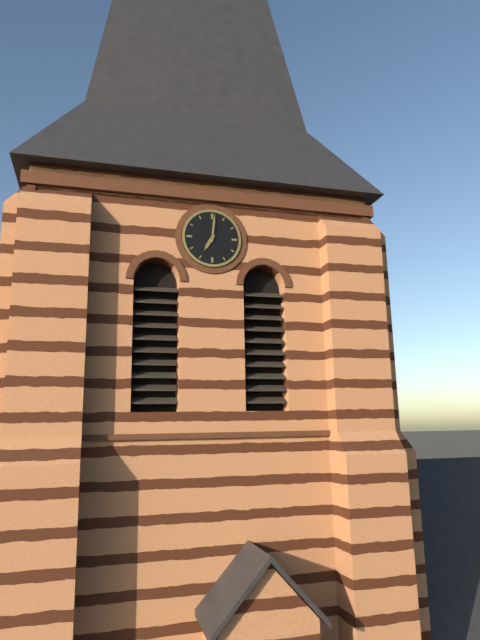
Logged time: 7 h 01 min
